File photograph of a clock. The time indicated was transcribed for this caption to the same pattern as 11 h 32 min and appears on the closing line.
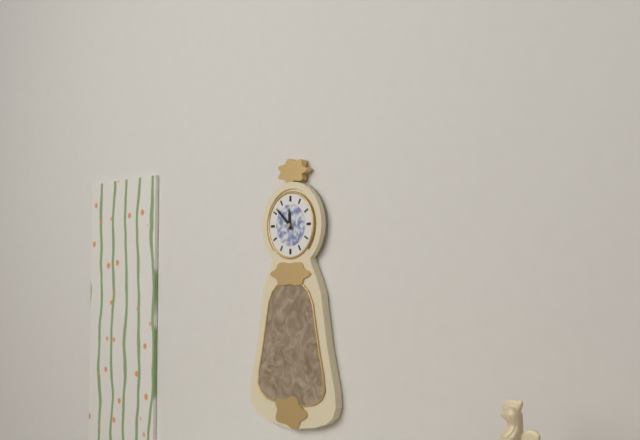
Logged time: 11 h 52 min
